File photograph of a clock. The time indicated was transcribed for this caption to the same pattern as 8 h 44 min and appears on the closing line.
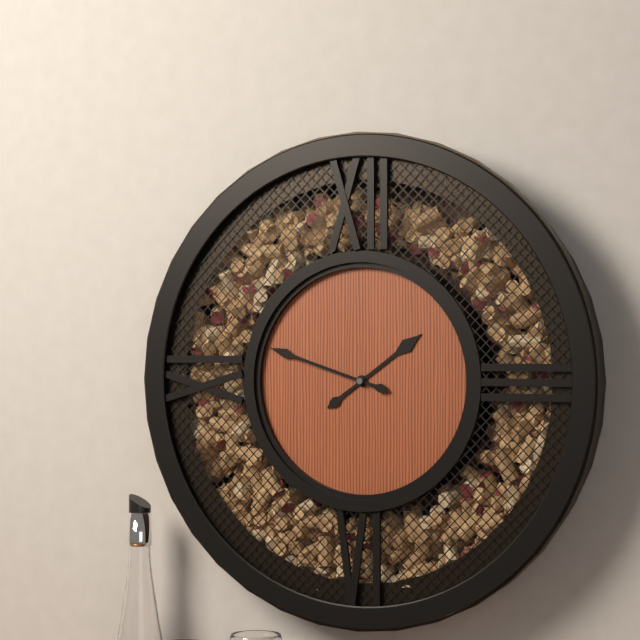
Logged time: 1 h 48 min
